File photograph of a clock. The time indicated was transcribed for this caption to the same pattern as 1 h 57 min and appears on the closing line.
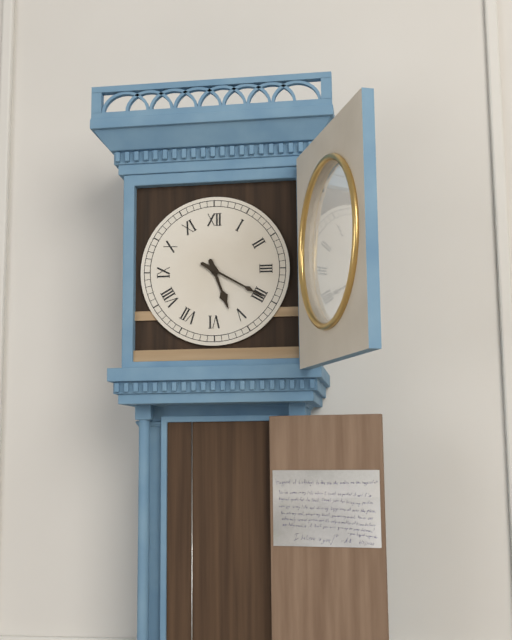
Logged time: 5 h 20 min
